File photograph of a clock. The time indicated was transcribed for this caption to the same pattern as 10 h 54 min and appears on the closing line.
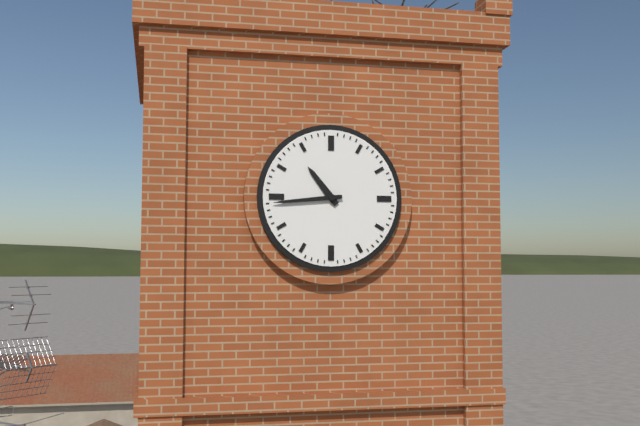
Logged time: 10 h 44 min
